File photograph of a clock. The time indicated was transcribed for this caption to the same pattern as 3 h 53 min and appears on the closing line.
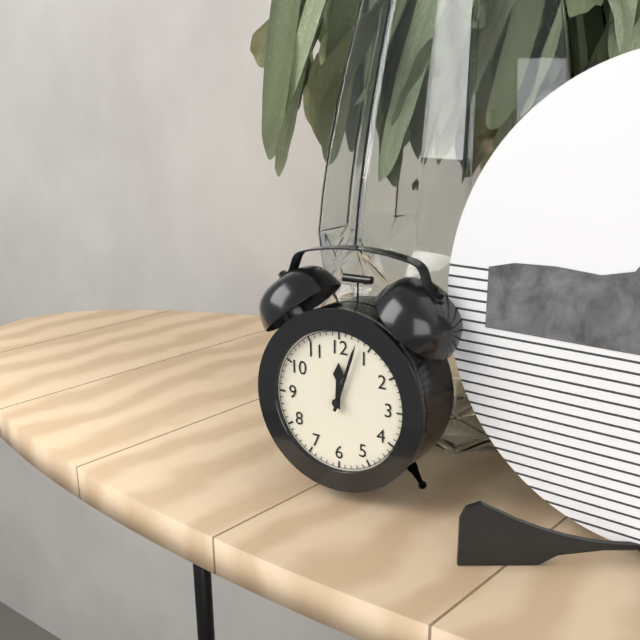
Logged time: 12 h 03 min
